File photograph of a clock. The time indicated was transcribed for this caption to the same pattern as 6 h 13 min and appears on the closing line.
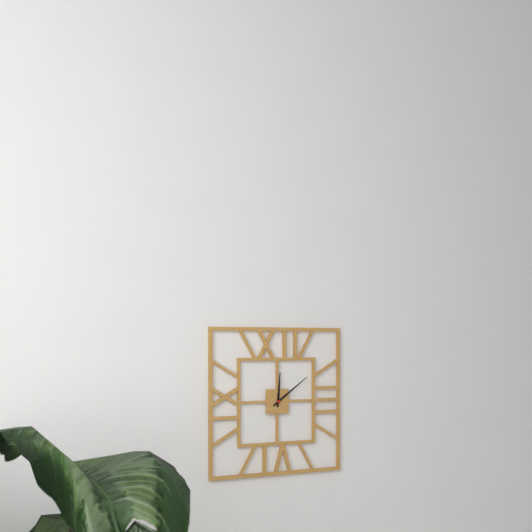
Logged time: 12 h 09 min
